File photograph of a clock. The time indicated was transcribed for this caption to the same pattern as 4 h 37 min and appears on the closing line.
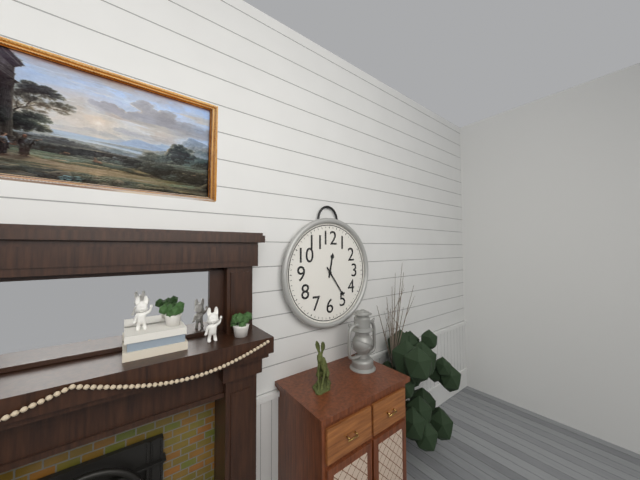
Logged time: 12 h 24 min
